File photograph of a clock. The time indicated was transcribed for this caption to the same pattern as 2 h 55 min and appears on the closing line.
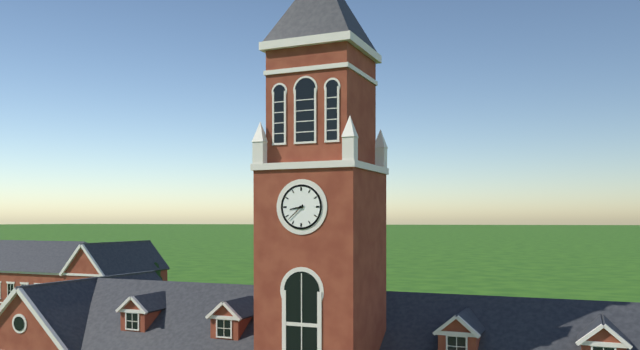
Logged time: 8 h 38 min
